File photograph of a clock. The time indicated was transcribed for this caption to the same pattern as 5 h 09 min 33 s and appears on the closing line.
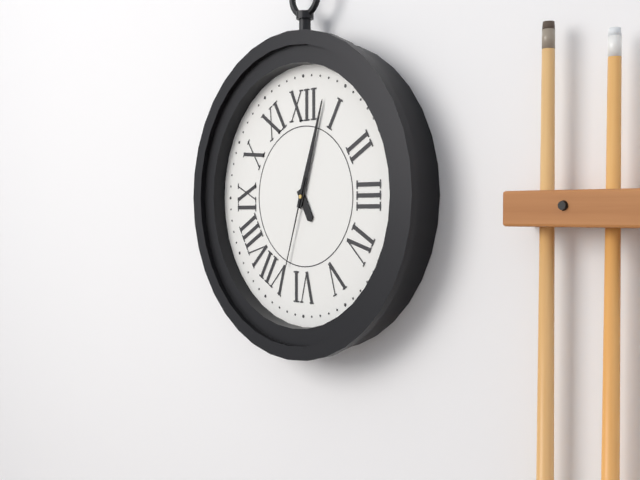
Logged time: 5 h 03 min 33 s
